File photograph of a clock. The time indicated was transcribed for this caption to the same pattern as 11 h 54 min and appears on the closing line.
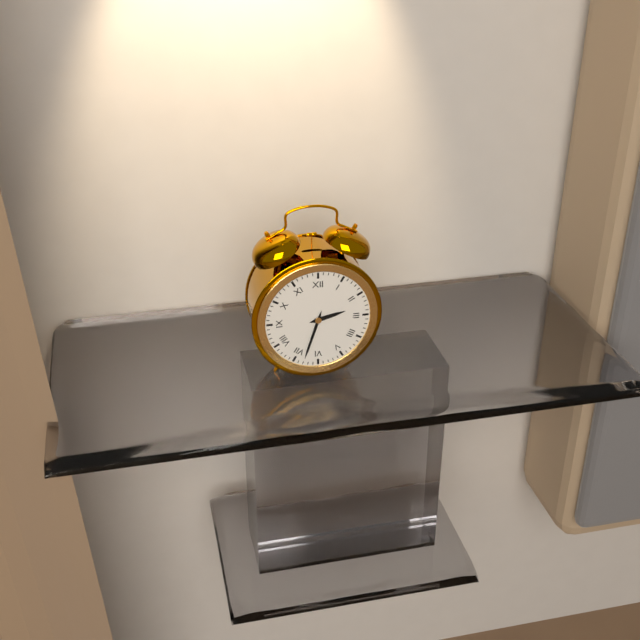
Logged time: 2 h 33 min
